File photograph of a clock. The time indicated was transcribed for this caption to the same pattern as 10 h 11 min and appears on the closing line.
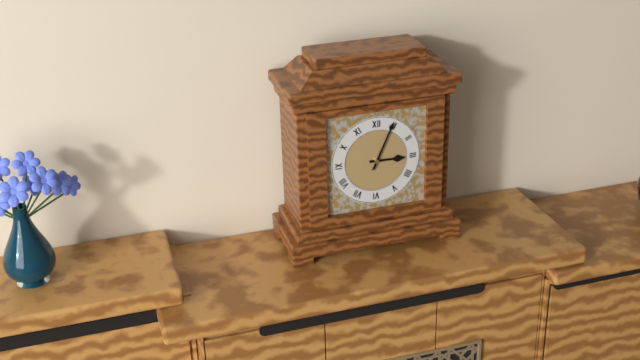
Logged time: 3 h 04 min
